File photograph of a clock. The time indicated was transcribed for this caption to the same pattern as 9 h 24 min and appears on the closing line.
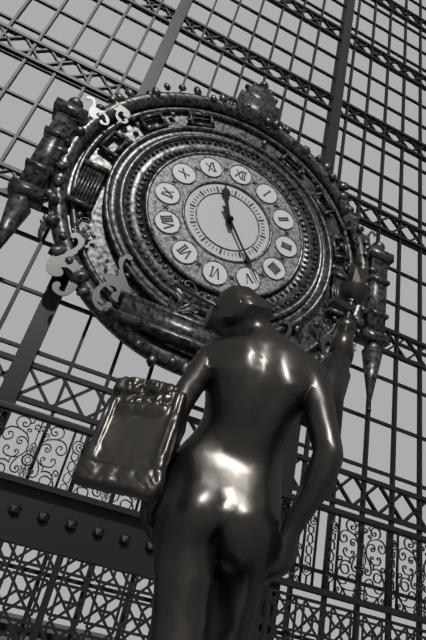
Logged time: 11 h 24 min
